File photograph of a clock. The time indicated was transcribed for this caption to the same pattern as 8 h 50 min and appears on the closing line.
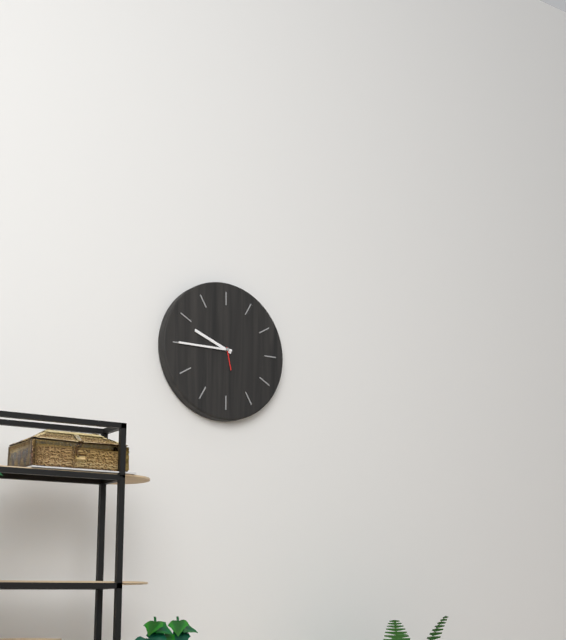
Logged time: 9 h 45 min
